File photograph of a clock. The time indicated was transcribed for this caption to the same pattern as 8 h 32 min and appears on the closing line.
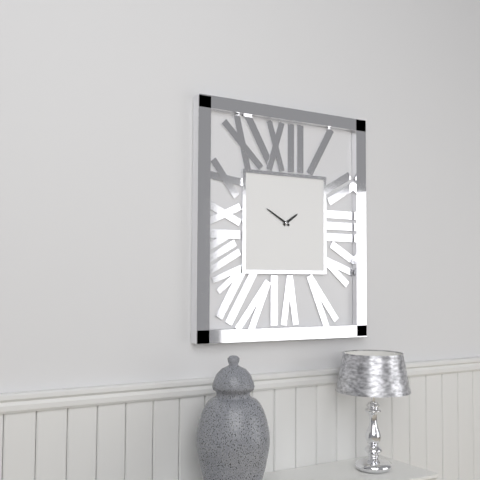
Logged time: 1 h 50 min
